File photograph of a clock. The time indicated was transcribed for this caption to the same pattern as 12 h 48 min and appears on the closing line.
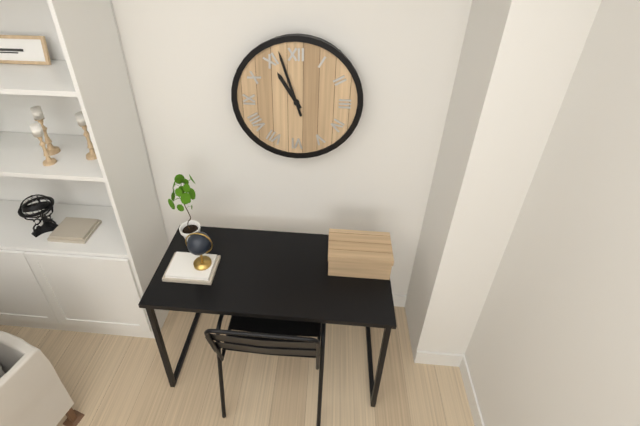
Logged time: 10 h 57 min
